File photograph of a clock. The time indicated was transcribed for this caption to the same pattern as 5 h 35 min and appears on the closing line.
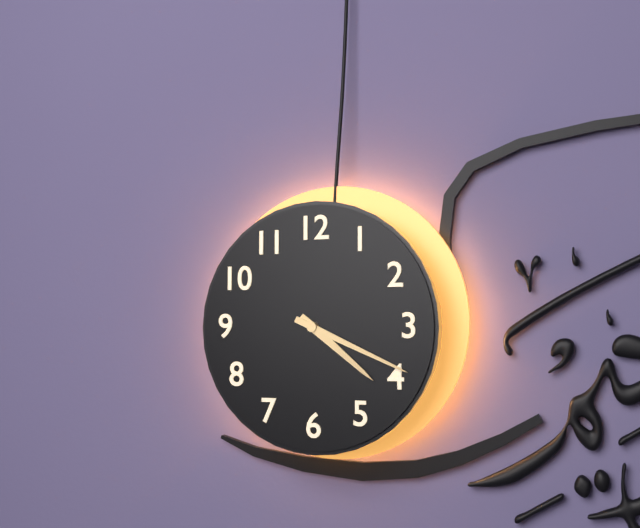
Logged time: 4 h 19 min
